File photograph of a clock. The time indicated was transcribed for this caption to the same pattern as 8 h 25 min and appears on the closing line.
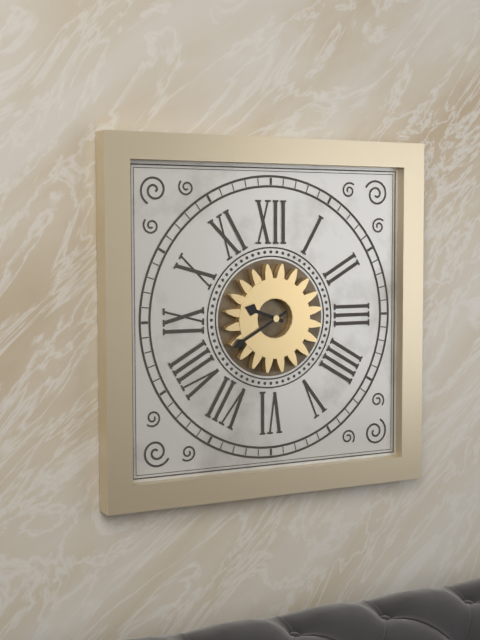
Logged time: 9 h 40 min
